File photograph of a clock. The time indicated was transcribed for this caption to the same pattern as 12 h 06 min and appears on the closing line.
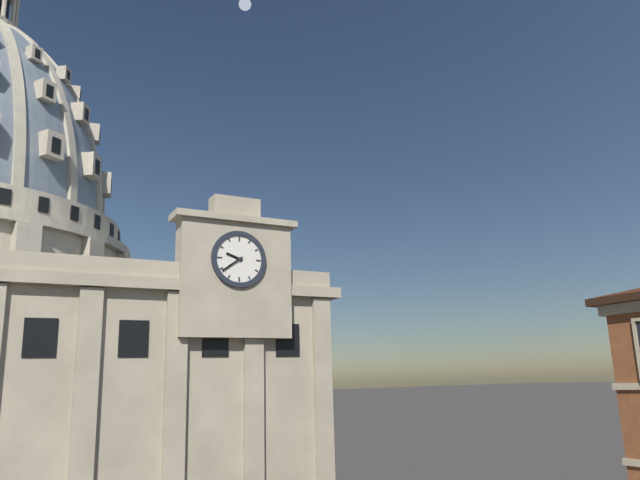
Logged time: 9 h 39 min
